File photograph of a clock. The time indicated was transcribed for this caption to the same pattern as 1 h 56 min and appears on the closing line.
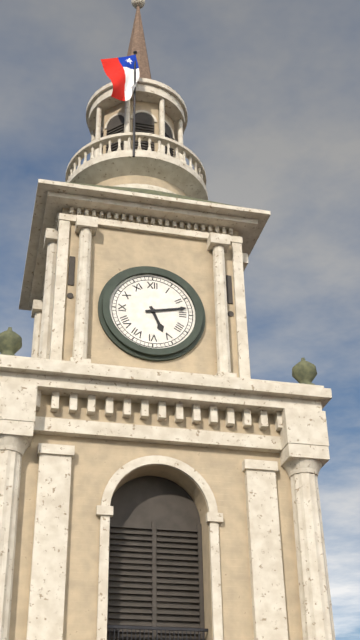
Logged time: 5 h 13 min
